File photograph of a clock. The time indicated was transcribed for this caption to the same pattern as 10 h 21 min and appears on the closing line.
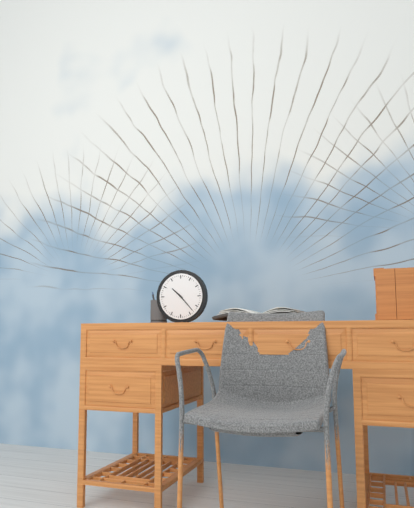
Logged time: 10 h 23 min
